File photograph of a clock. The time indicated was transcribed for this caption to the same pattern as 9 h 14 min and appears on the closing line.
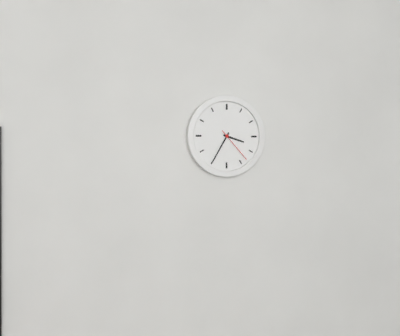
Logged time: 3 h 35 min
